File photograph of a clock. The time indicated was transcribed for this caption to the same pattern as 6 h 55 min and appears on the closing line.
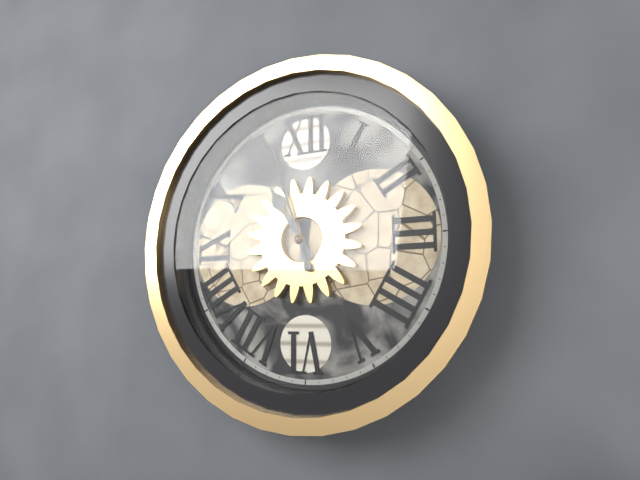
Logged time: 10 h 57 min
